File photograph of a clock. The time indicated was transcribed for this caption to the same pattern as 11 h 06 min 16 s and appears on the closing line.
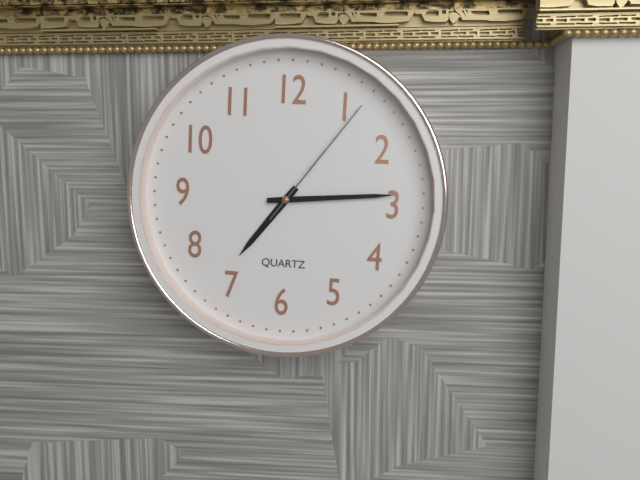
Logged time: 7 h 14 min 06 s
